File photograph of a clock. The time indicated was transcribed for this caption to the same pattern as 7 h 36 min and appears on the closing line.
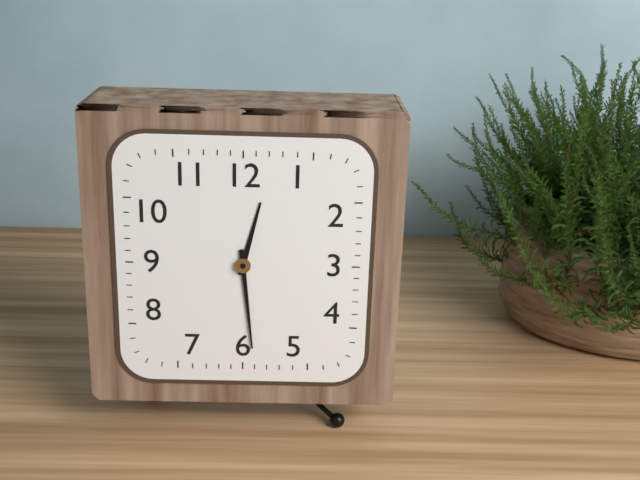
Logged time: 12 h 29 min
